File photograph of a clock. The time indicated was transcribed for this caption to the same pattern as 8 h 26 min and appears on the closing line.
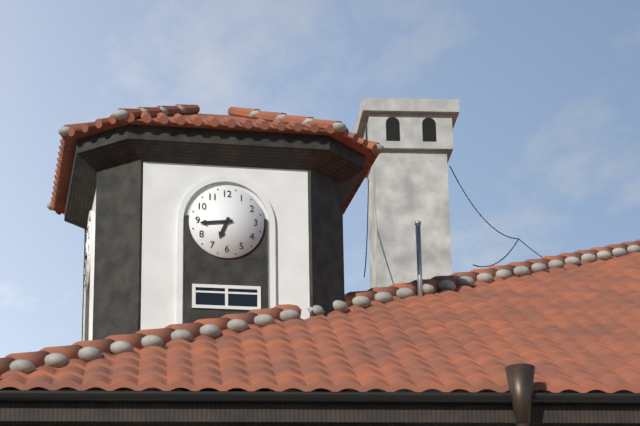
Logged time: 6 h 44 min
